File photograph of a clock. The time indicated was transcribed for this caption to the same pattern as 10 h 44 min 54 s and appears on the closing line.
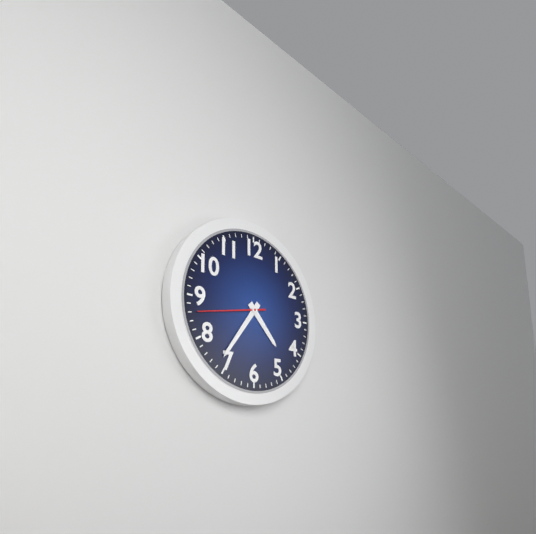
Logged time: 4 h 36 min 43 s
